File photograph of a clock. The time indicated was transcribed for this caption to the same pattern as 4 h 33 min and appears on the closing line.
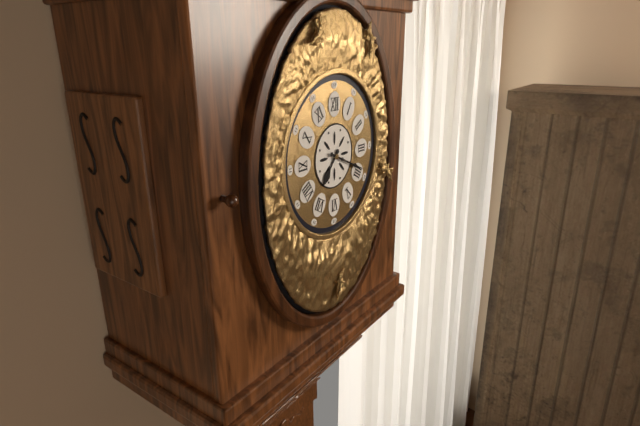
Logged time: 7 h 19 min
